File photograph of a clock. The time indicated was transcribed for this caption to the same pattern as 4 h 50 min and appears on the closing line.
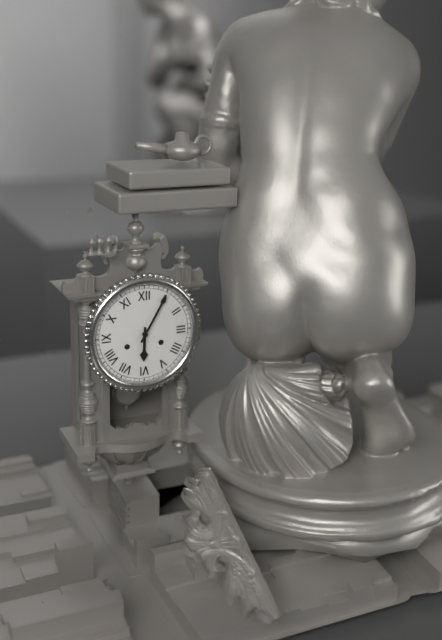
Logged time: 6 h 05 min
